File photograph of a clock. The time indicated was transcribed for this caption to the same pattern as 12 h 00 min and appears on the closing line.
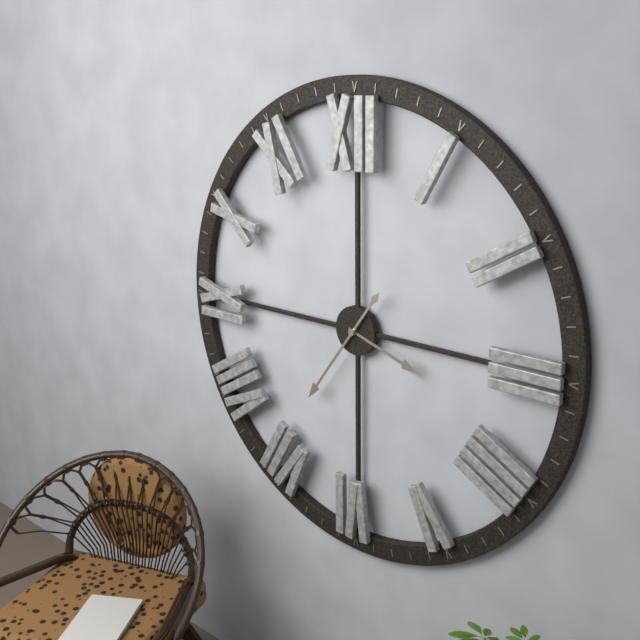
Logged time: 3 h 36 min
